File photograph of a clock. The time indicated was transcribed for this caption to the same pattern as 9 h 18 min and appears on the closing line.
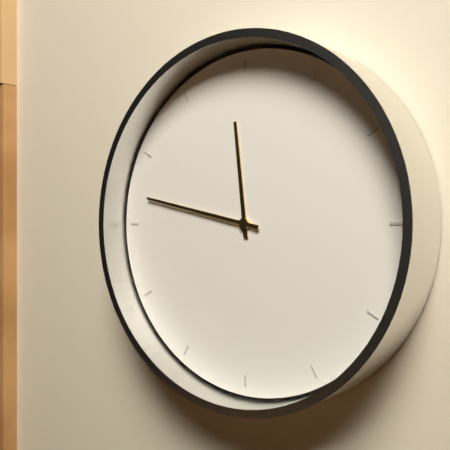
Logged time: 11 h 47 min
